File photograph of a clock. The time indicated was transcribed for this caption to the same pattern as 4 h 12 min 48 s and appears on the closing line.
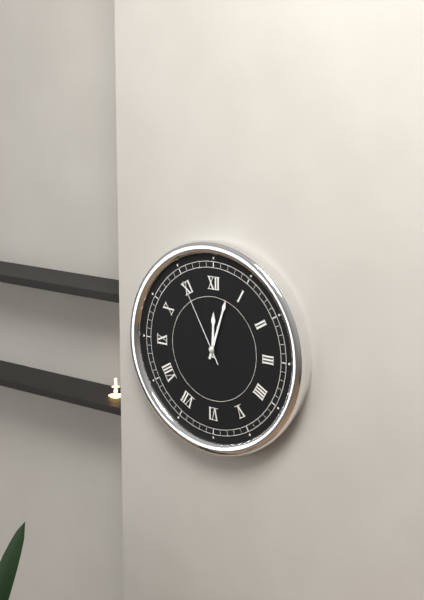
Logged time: 12 h 03 min 55 s
